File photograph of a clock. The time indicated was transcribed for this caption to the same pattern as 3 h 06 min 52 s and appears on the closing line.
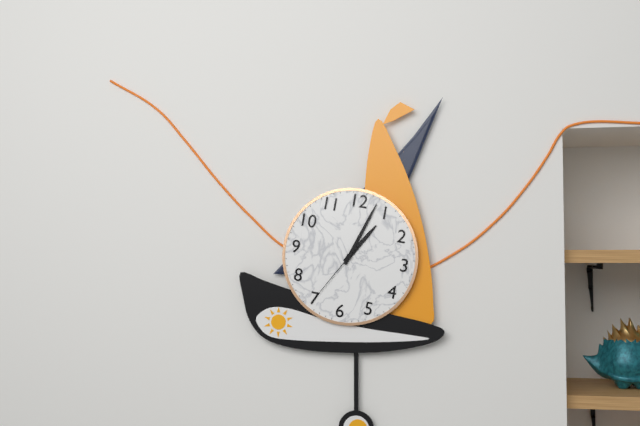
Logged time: 1 h 03 min 35 s
